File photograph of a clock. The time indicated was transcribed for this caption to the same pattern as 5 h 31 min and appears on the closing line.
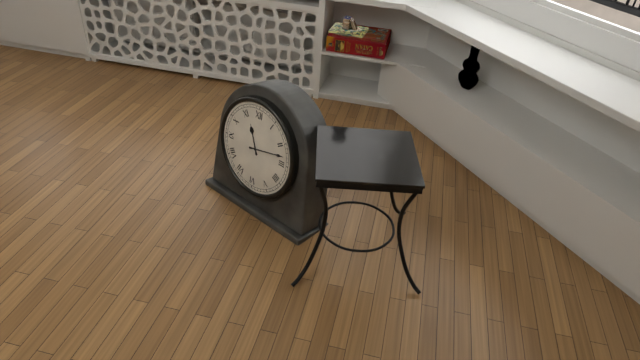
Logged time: 11 h 13 min
